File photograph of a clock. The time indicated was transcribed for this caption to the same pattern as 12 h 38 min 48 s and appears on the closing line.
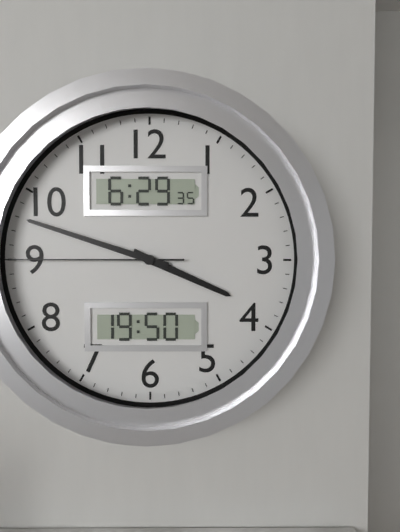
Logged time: 3 h 48 min 45 s
